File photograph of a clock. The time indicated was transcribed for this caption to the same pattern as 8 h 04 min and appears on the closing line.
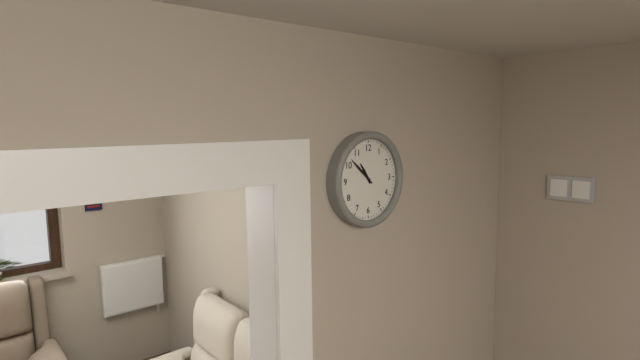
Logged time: 10 h 52 min
